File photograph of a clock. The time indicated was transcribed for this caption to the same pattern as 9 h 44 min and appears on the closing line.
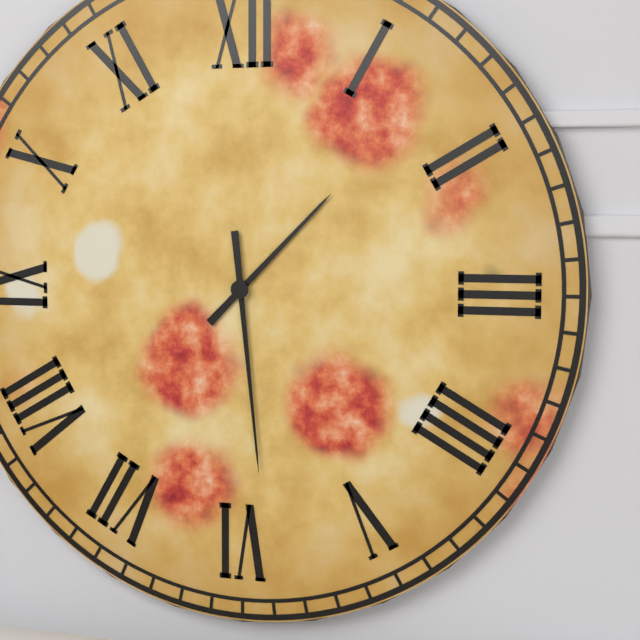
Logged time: 1 h 29 min
